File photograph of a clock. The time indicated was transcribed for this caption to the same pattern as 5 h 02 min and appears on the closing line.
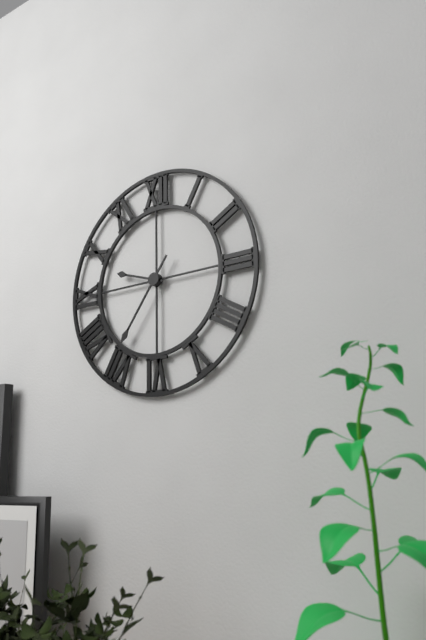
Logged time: 9 h 36 min
